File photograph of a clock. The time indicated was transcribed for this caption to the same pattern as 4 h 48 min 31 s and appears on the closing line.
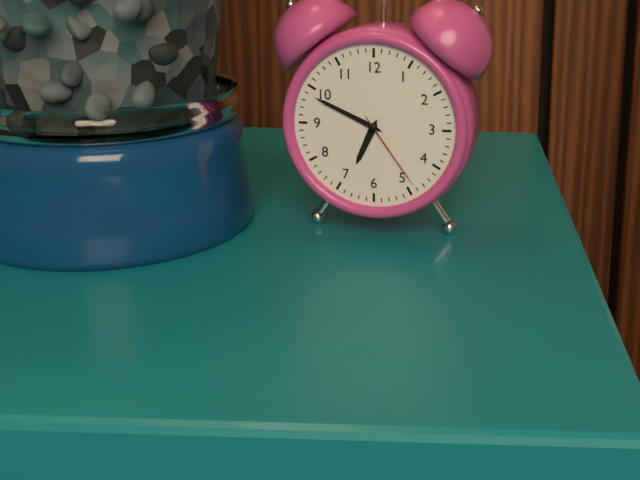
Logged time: 6 h 49 min 24 s
